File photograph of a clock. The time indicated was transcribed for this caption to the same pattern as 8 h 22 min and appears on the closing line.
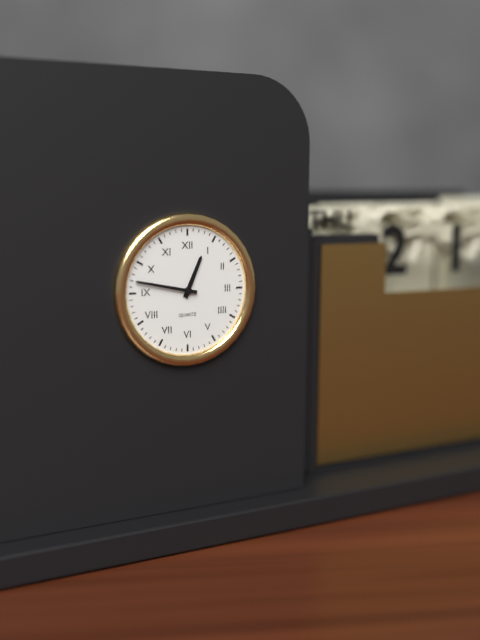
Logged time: 12 h 47 min
